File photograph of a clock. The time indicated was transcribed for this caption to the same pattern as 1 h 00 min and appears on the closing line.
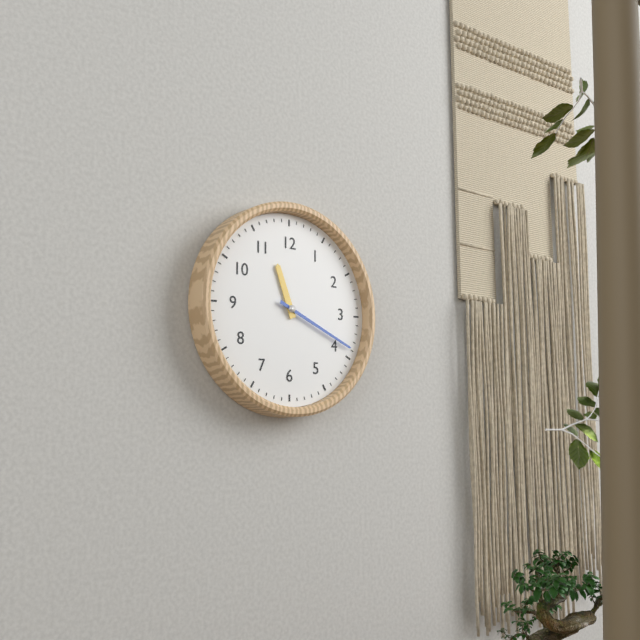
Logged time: 11 h 19 min
